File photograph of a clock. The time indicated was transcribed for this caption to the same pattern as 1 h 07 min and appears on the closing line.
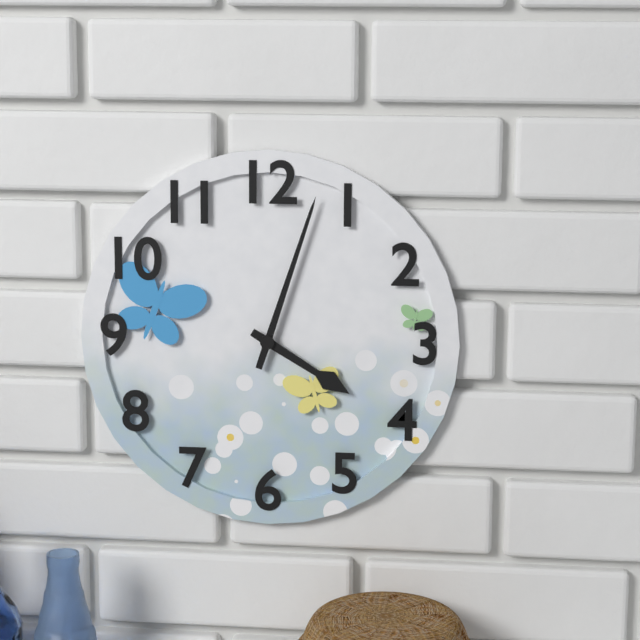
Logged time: 4 h 03 min
